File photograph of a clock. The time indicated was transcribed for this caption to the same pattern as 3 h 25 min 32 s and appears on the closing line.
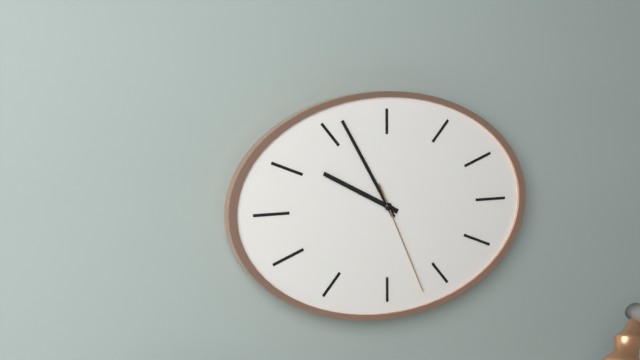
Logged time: 9 h 55 min 26 s
